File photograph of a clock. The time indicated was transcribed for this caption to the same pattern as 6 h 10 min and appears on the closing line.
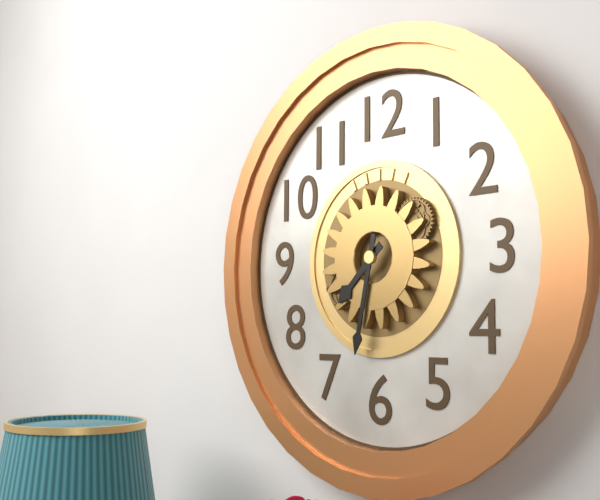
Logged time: 7 h 32 min
